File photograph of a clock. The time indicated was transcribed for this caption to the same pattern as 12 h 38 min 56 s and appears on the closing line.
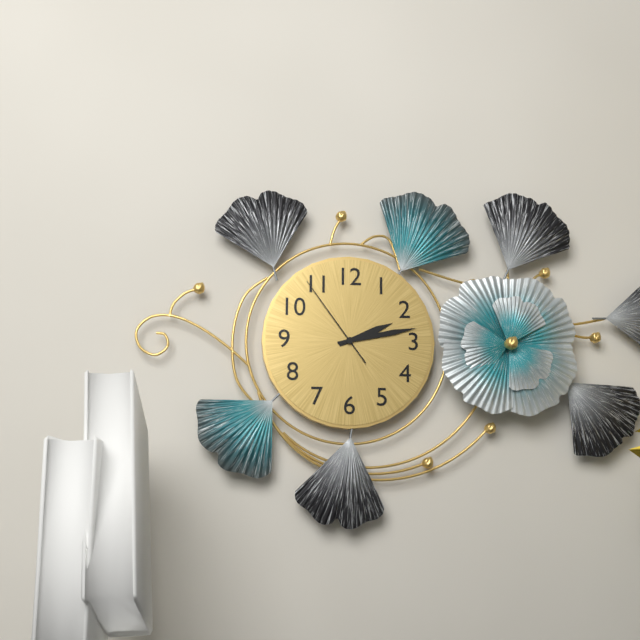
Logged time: 2 h 13 min 54 s
